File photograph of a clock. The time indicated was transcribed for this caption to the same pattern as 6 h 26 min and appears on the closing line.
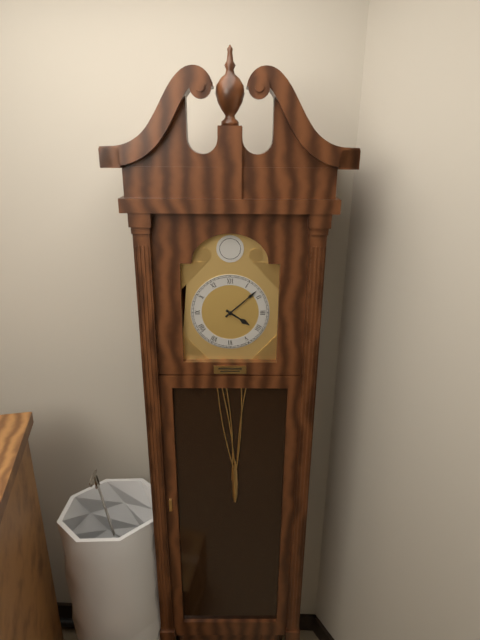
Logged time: 4 h 08 min
